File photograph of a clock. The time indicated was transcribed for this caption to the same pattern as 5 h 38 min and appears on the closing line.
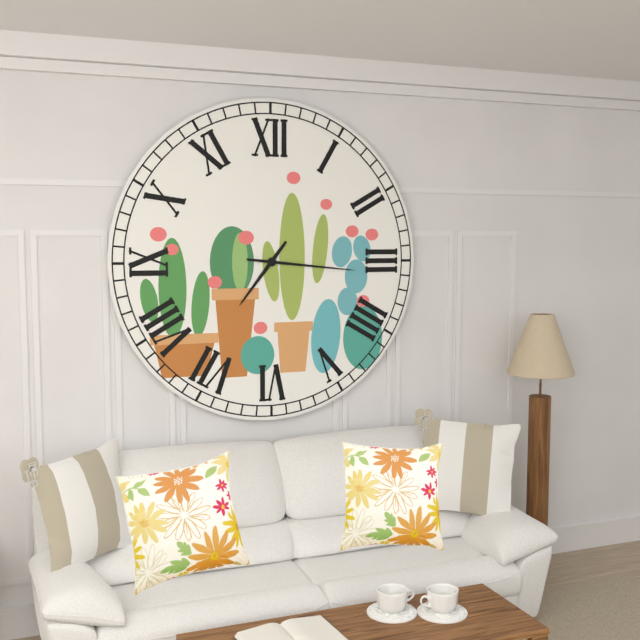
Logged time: 7 h 16 min
